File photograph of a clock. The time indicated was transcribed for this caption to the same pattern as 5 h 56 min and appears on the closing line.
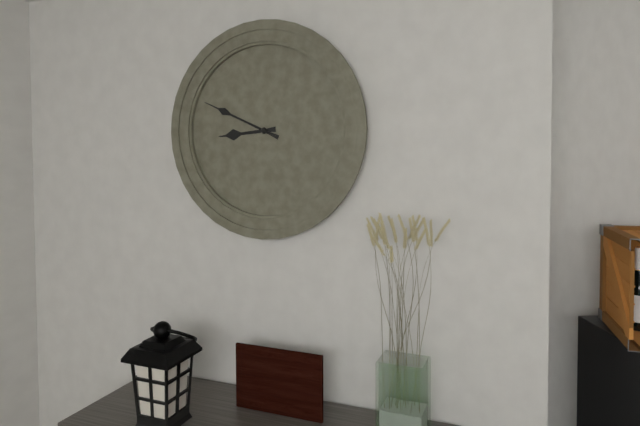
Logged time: 8 h 49 min
